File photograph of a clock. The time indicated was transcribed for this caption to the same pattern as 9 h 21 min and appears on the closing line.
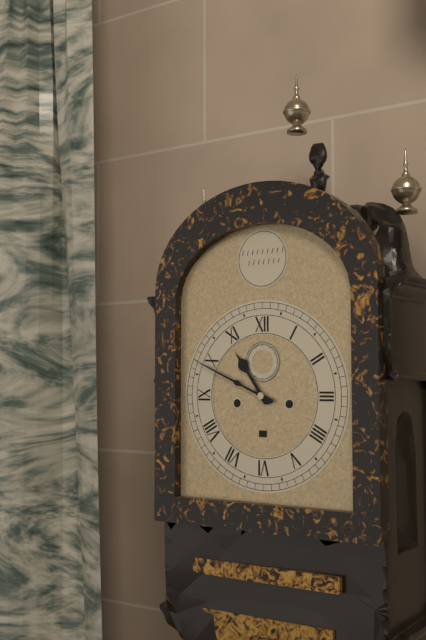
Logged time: 10 h 49 min
